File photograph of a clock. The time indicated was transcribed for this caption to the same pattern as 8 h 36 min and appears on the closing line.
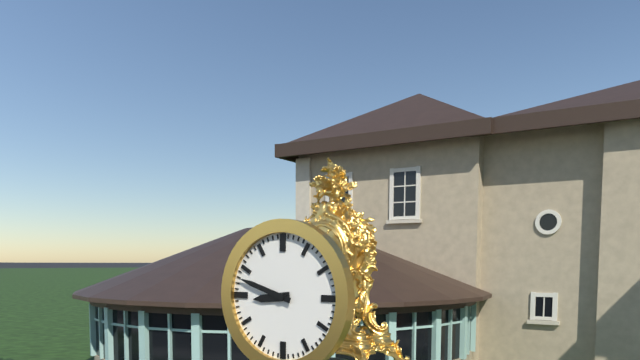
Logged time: 8 h 48 min
